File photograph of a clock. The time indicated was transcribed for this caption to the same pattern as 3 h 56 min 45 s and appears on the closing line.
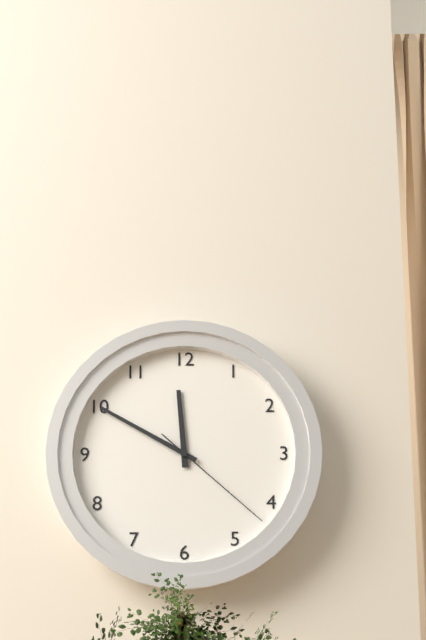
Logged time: 11 h 50 min 22 s
